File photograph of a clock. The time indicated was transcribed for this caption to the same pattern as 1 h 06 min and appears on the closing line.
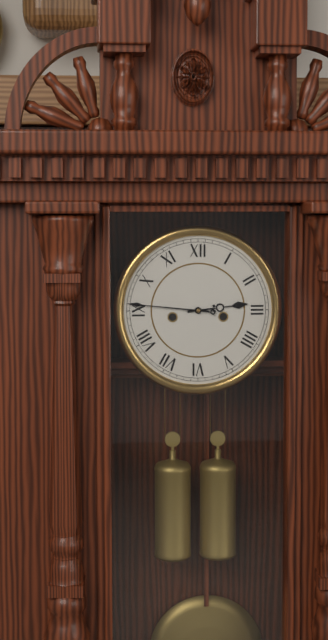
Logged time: 2 h 46 min
